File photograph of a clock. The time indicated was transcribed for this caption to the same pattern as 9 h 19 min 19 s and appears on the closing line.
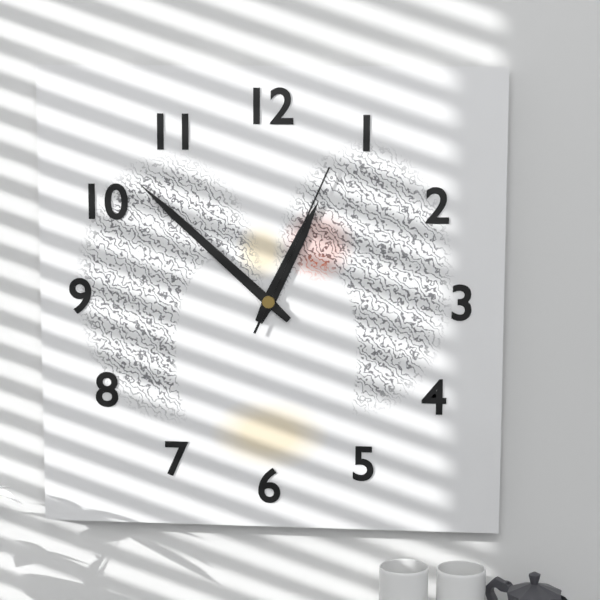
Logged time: 12 h 52 min 04 s
